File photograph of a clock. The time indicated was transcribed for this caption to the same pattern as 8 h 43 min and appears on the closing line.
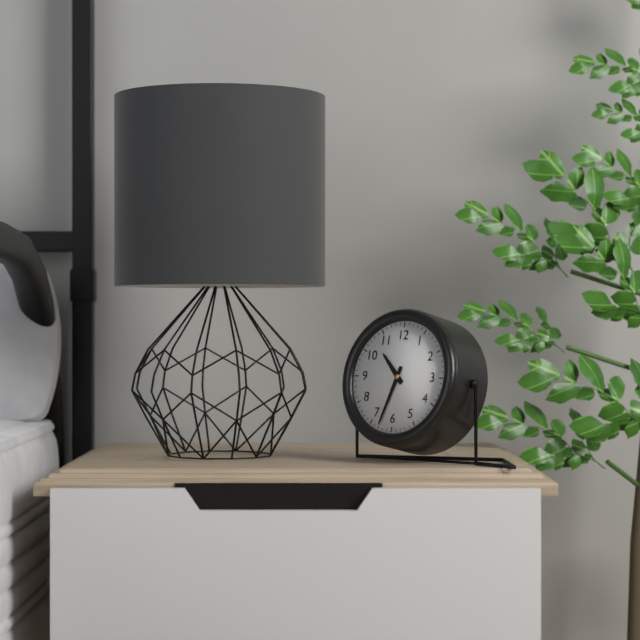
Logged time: 10 h 33 min
